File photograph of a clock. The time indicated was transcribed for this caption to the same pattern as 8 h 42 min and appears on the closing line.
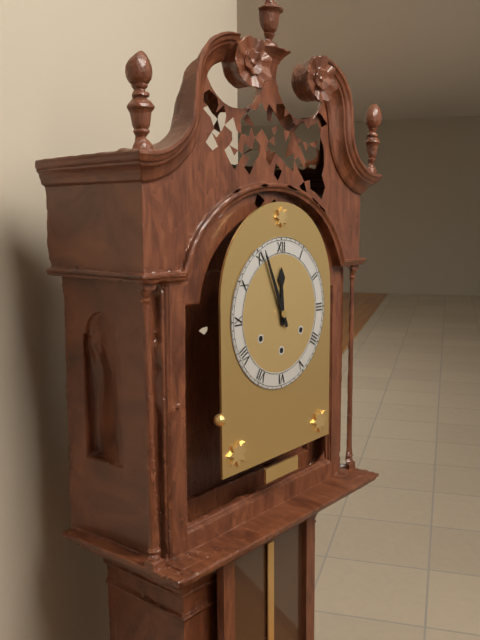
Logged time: 11 h 56 min
